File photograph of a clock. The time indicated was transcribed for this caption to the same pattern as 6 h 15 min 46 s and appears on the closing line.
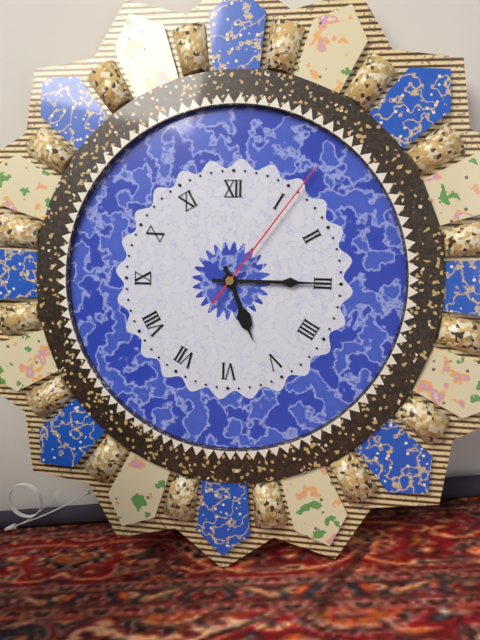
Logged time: 5 h 15 min 06 s
